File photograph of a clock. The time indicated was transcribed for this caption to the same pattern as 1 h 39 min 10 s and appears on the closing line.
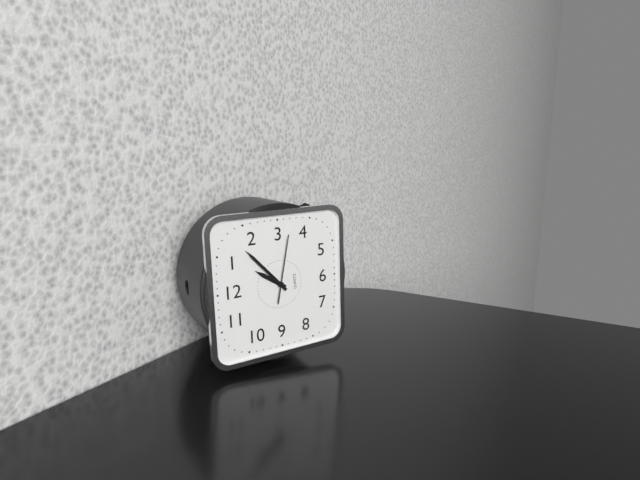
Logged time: 1 h 08 min 17 s
